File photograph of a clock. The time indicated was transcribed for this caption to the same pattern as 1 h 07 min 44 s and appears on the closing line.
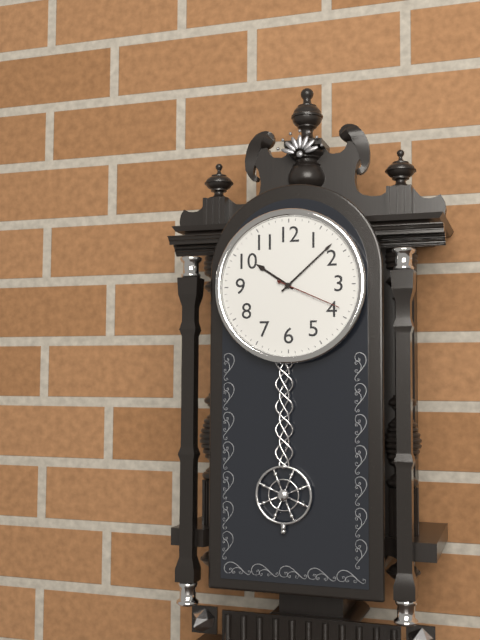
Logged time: 10 h 08 min 19 s
